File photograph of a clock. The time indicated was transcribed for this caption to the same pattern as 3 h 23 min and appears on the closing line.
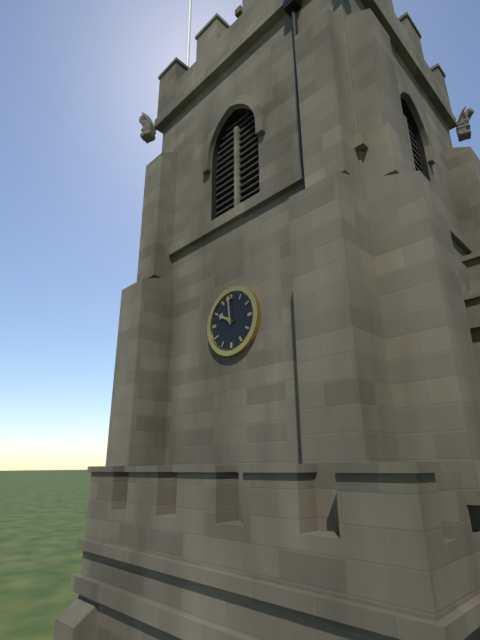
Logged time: 9 h 59 min
